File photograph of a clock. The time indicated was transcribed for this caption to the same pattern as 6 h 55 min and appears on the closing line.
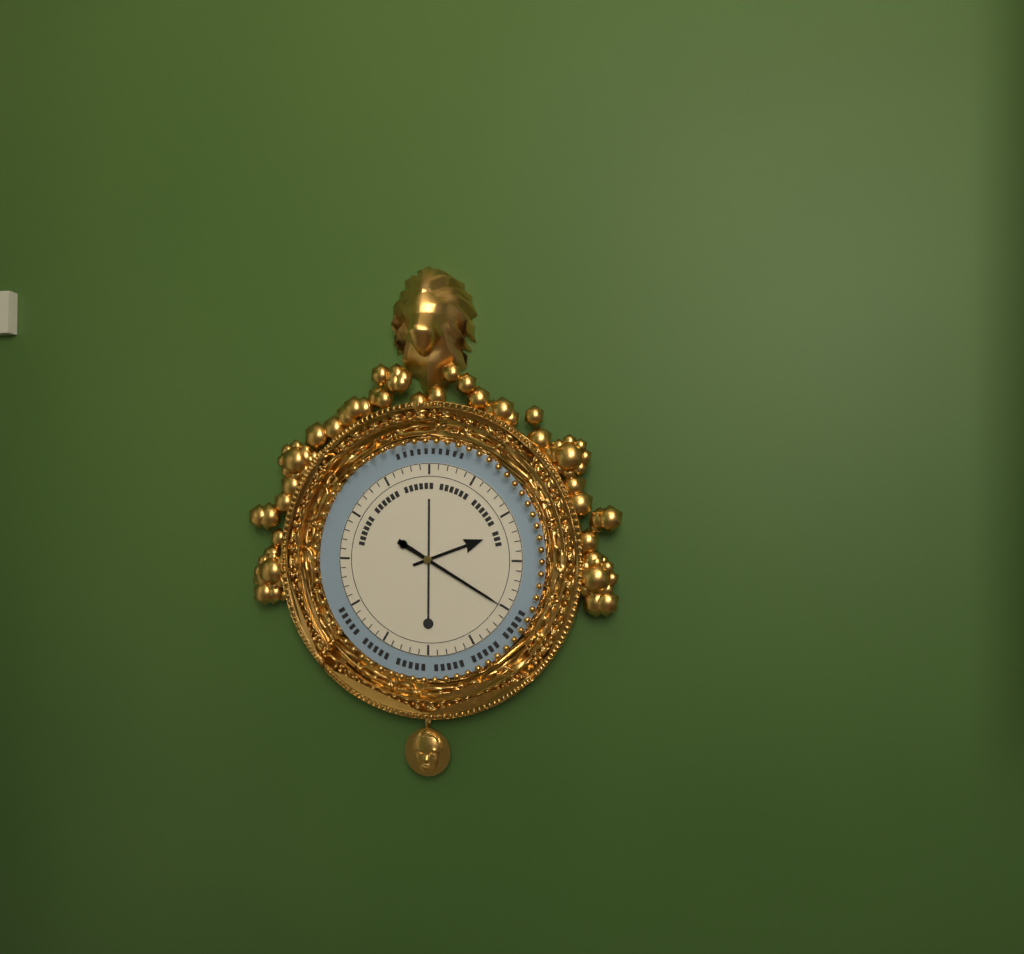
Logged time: 2 h 20 min
